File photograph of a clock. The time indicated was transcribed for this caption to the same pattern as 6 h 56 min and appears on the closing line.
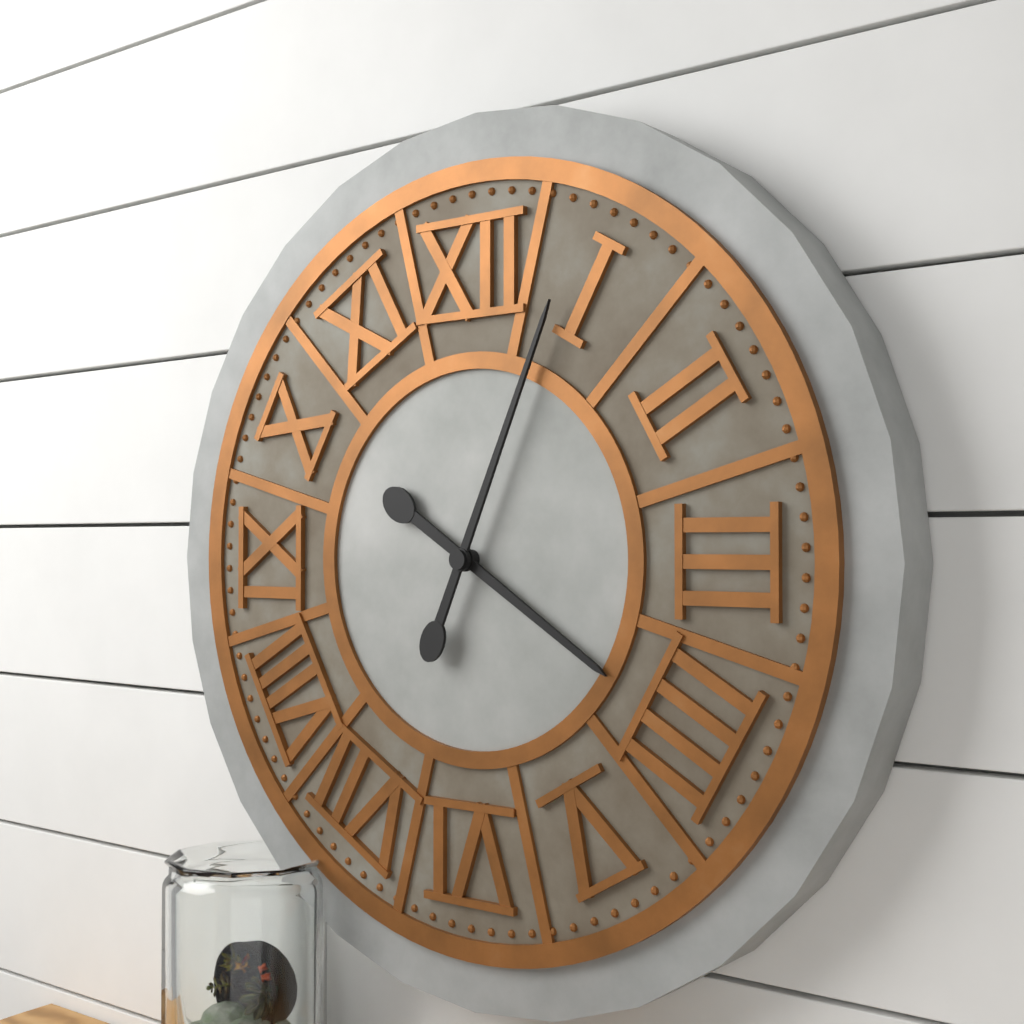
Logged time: 4 h 04 min
